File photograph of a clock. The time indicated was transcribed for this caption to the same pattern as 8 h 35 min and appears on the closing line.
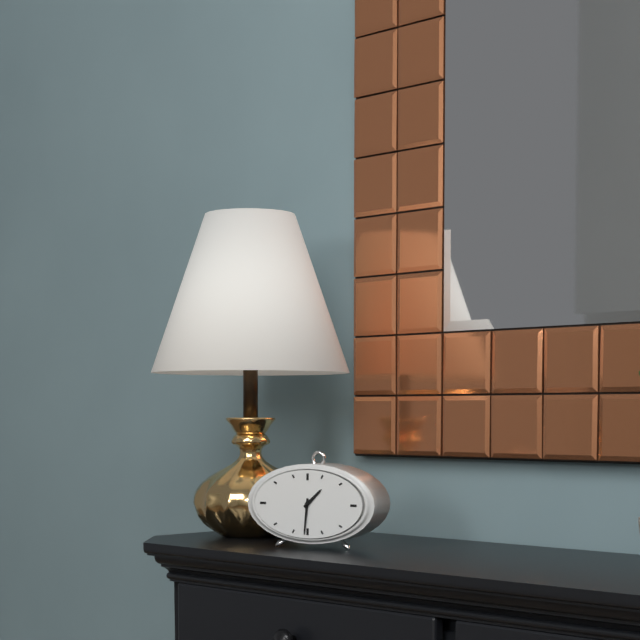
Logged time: 1 h 31 min
